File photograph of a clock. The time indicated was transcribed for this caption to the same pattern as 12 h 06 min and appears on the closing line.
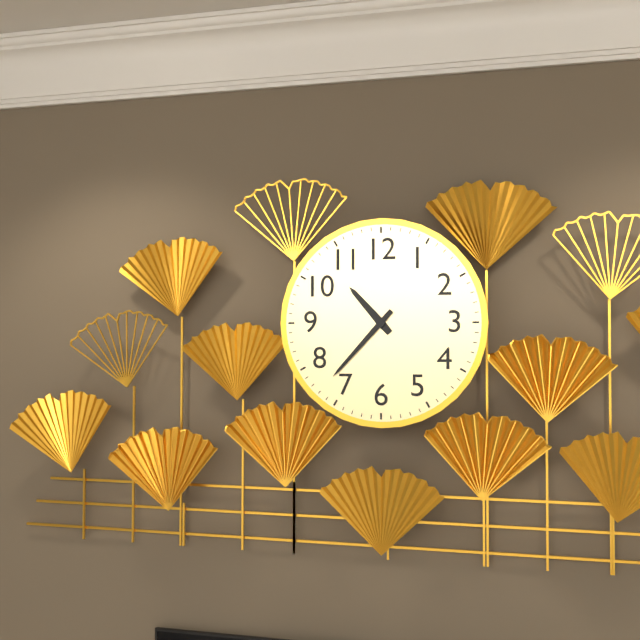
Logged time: 10 h 37 min
